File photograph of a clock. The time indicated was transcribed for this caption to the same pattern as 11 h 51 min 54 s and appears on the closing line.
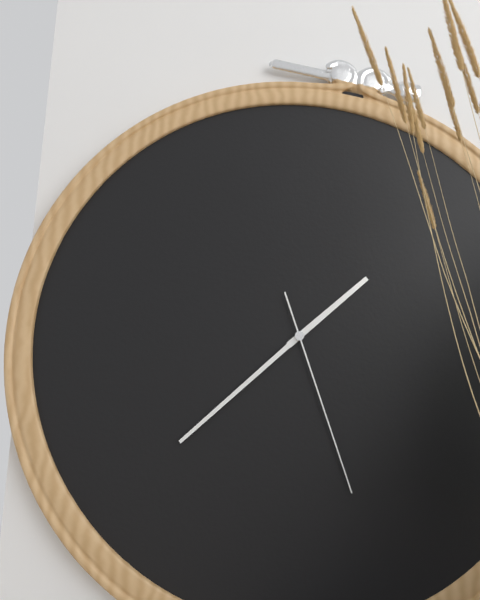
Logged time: 1 h 38 min 27 s
